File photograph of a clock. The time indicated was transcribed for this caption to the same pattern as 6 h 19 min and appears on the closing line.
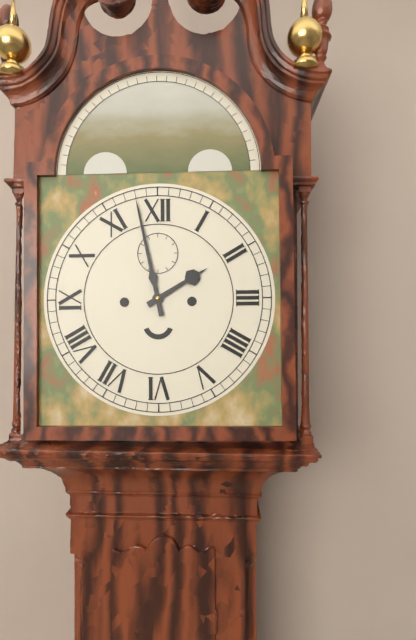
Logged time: 1 h 58 min
